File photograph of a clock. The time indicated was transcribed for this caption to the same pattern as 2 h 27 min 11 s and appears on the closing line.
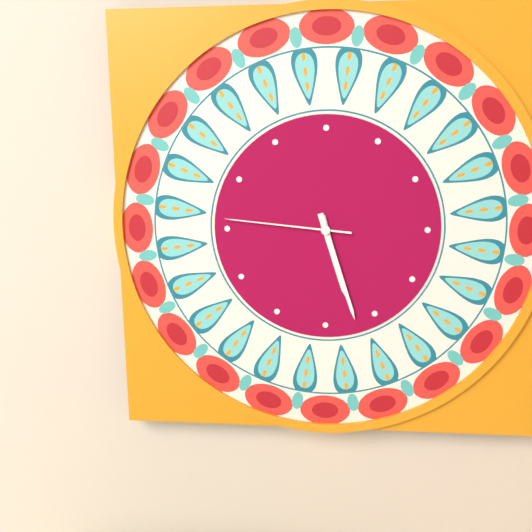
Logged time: 5 h 27 min 46 s
